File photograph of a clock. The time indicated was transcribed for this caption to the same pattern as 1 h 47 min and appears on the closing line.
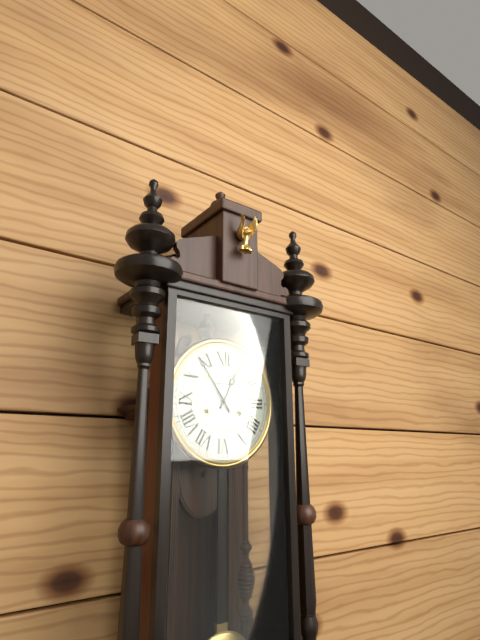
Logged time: 12 h 54 min
